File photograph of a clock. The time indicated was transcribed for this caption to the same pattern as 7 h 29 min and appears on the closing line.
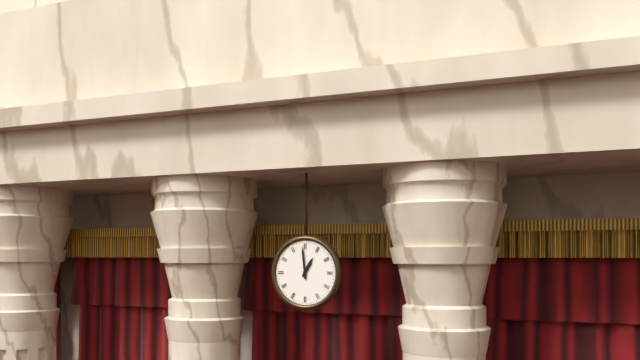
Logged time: 12 h 59 min
